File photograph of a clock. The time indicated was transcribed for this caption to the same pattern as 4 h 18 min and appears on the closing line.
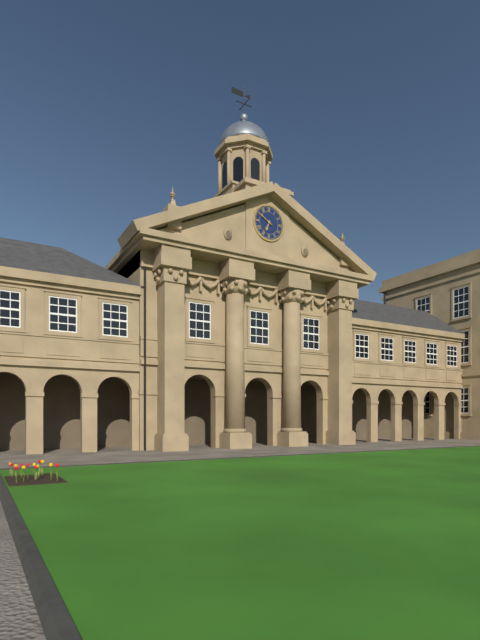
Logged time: 6 h 50 min
